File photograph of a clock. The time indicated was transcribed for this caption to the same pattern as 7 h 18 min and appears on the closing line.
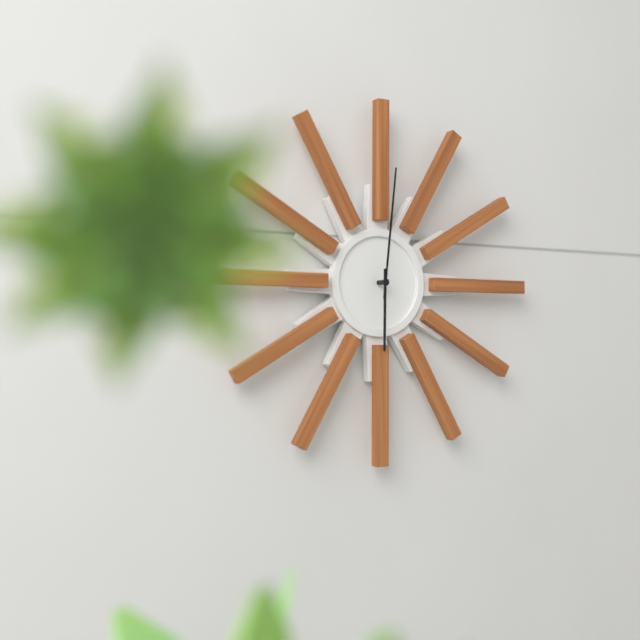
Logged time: 6 h 01 min
